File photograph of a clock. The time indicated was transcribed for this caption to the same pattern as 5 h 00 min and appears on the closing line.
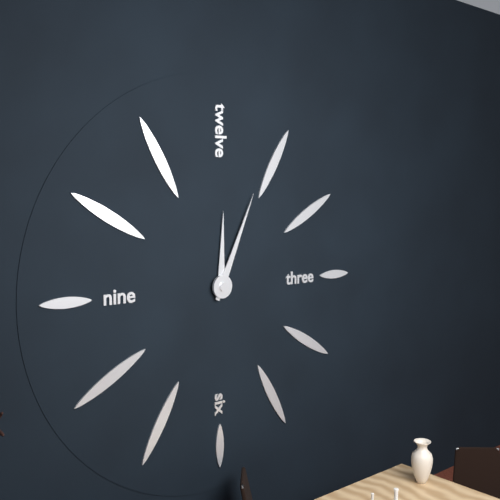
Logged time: 12 h 04 min
